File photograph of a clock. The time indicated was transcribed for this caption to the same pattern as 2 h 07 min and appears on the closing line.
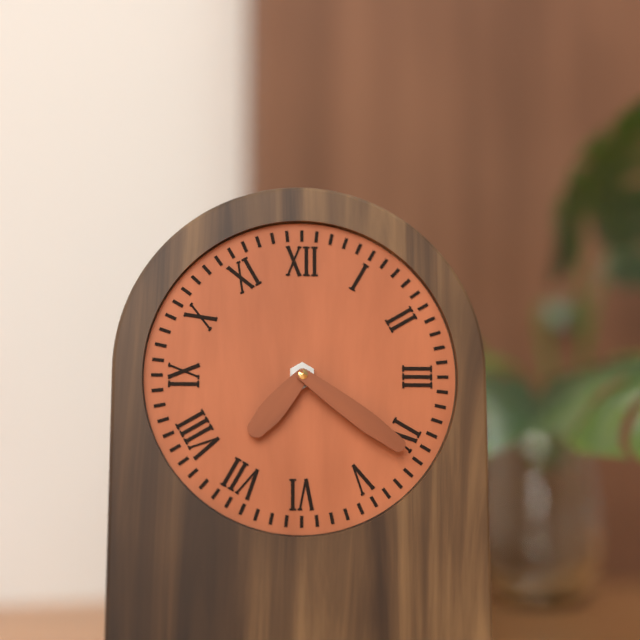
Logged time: 7 h 21 min
